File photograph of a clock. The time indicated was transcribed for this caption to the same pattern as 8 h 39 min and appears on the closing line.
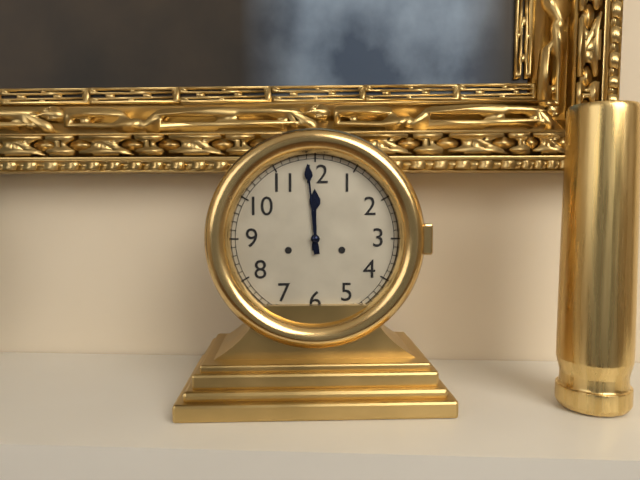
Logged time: 11 h 59 min
